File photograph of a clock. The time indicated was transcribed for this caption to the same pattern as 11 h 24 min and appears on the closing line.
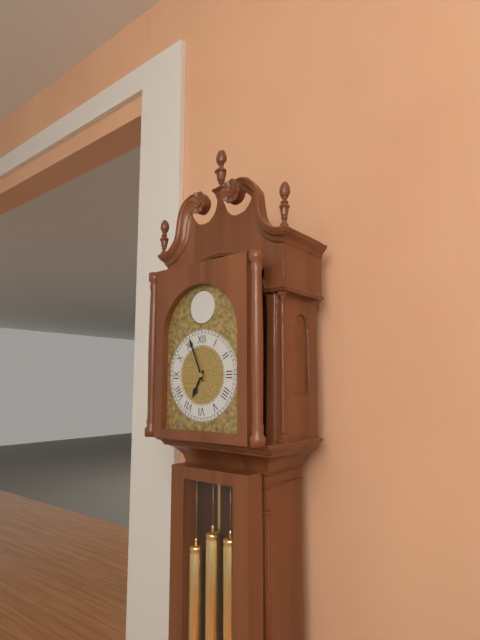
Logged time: 6 h 56 min
